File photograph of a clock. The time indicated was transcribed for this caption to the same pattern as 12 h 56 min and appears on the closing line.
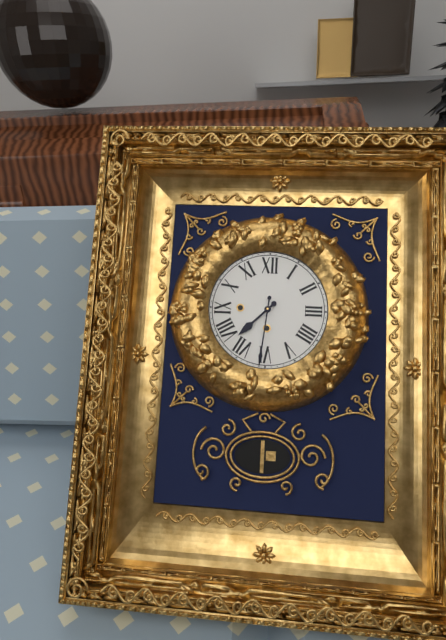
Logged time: 7 h 31 min
